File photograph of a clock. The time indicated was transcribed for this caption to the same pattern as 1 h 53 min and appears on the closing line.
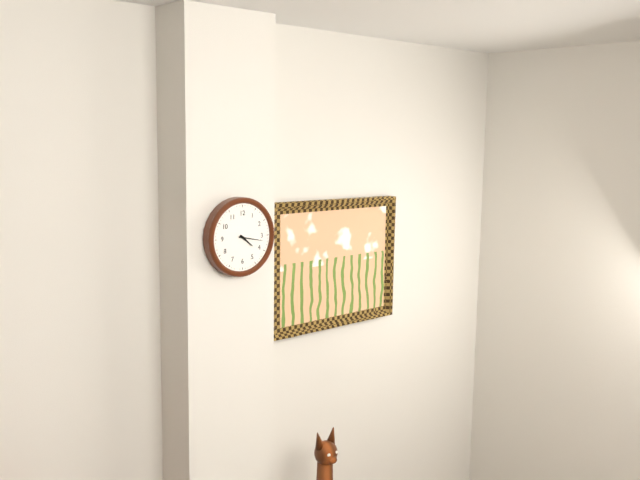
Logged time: 4 h 17 min
